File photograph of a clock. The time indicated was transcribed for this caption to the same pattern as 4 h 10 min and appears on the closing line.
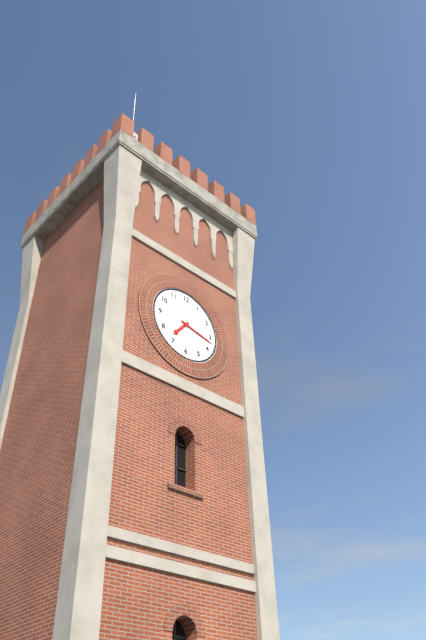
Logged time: 7 h 17 min
